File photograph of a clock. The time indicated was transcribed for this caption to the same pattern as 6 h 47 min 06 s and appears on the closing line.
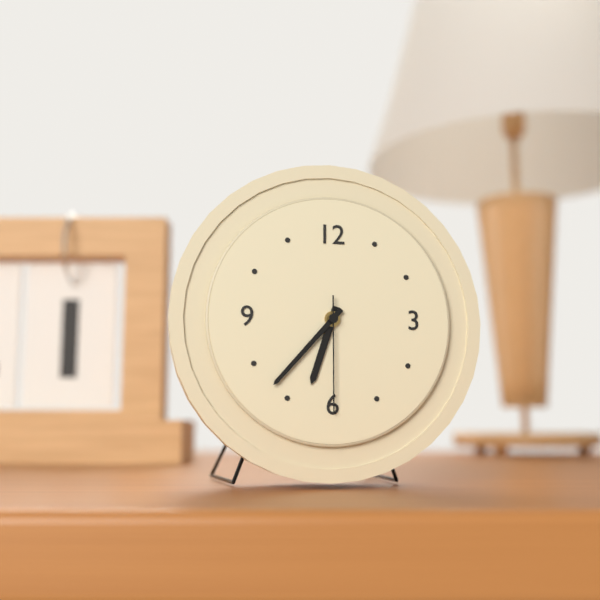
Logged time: 6 h 37 min 30 s
